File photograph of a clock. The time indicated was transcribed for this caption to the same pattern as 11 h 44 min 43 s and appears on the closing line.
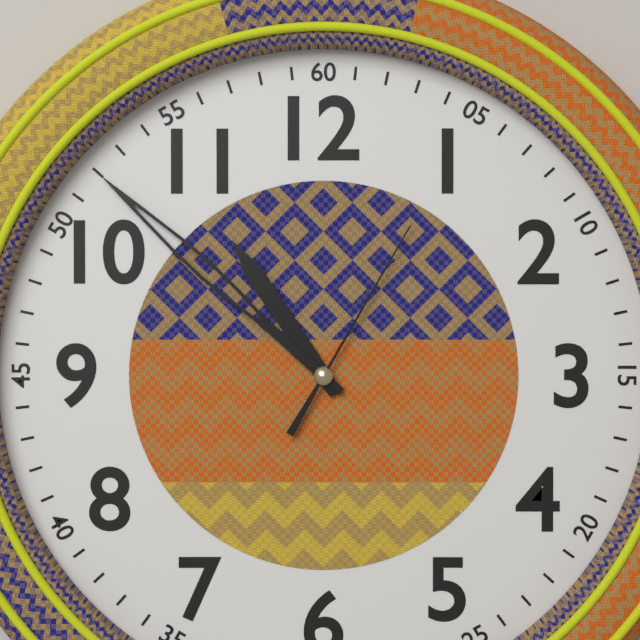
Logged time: 10 h 52 min 05 s
